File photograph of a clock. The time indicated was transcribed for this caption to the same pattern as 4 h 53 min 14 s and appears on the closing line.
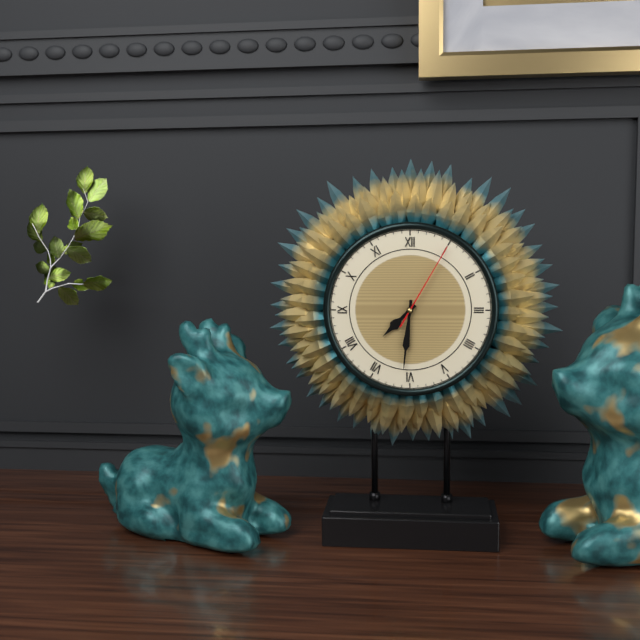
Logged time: 7 h 31 min 05 s
